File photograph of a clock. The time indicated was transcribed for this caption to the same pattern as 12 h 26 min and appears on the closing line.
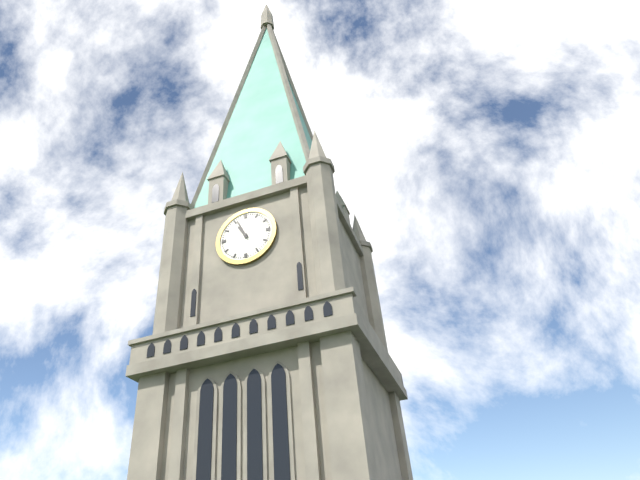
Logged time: 10 h 56 min
